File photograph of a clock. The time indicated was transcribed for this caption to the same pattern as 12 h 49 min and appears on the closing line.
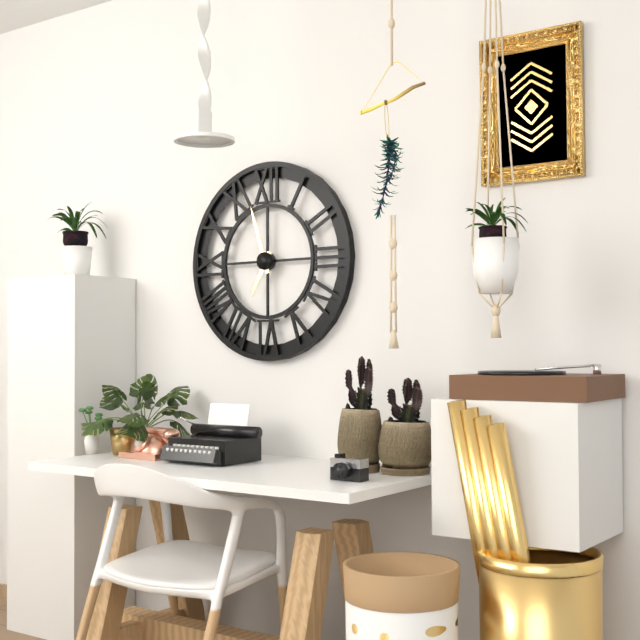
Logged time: 6 h 57 min
